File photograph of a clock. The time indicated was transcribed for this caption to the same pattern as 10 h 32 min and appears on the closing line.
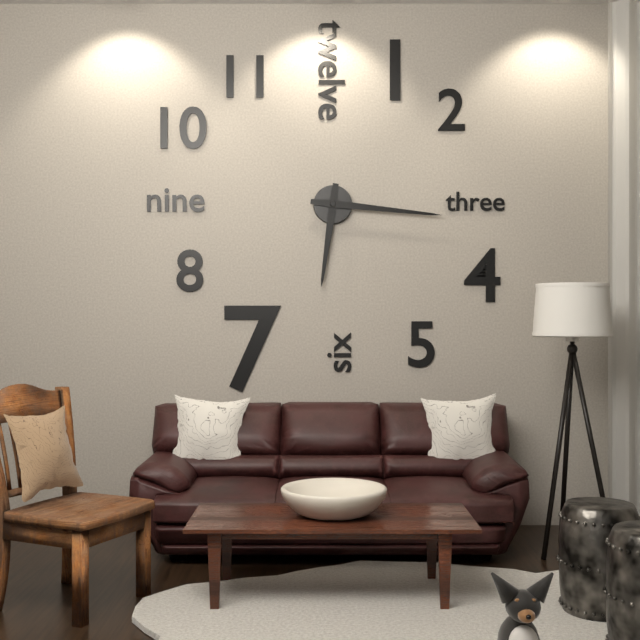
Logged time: 6 h 16 min
